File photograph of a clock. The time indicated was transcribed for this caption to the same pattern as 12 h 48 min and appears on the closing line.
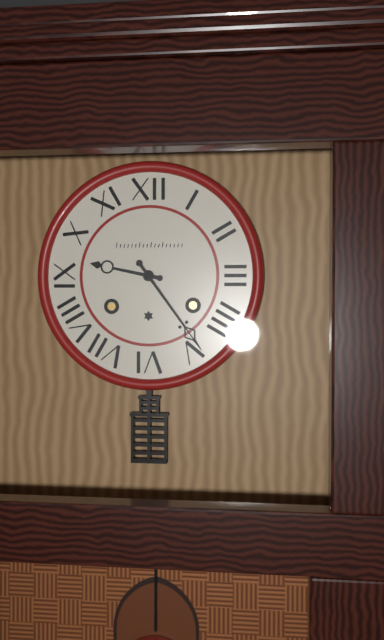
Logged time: 9 h 24 min
